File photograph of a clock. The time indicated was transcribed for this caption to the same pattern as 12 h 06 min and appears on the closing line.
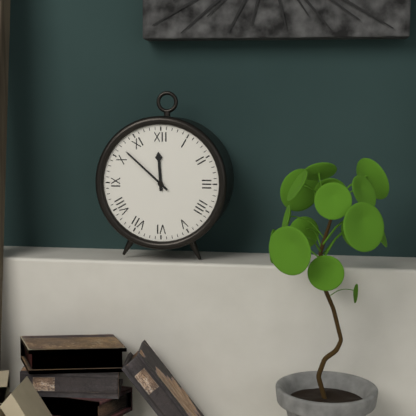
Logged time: 11 h 52 min
